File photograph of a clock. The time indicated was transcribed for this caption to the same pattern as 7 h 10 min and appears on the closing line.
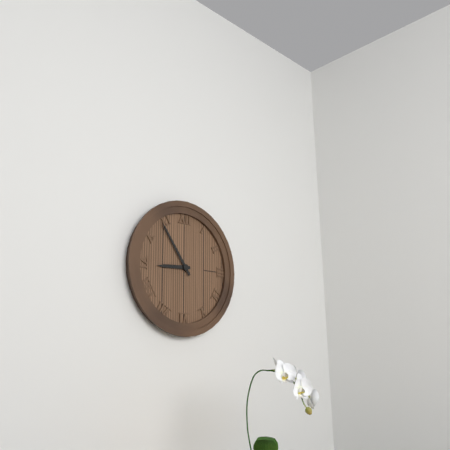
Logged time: 8 h 54 min
